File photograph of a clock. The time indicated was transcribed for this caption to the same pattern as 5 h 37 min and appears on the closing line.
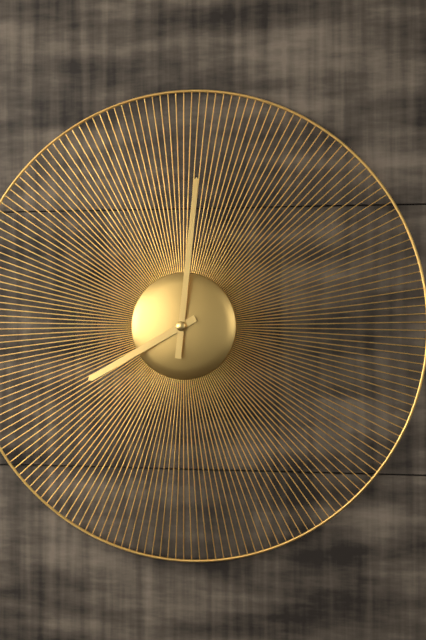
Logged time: 8 h 01 min
